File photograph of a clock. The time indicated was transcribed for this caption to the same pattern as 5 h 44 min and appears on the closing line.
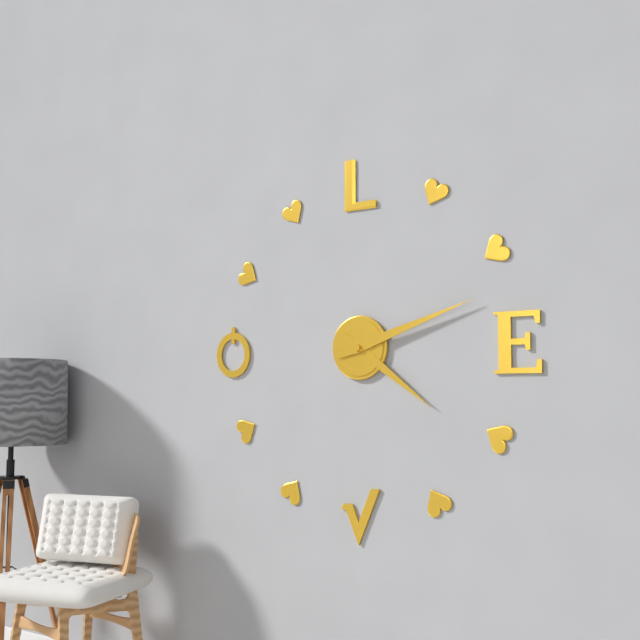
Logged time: 4 h 12 min
